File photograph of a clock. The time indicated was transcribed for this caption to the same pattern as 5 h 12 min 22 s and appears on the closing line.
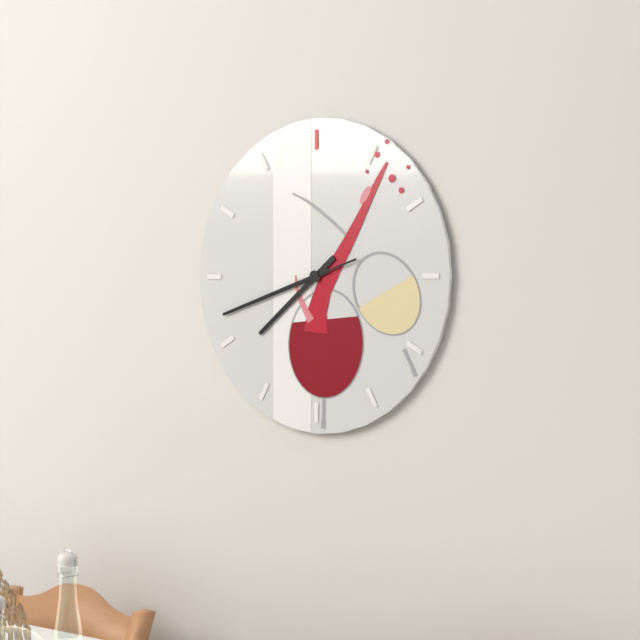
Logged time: 7 h 42 min 42 s
